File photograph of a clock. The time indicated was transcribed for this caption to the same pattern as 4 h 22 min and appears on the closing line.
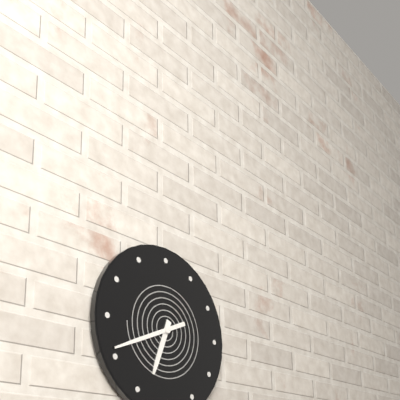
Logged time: 6 h 41 min
